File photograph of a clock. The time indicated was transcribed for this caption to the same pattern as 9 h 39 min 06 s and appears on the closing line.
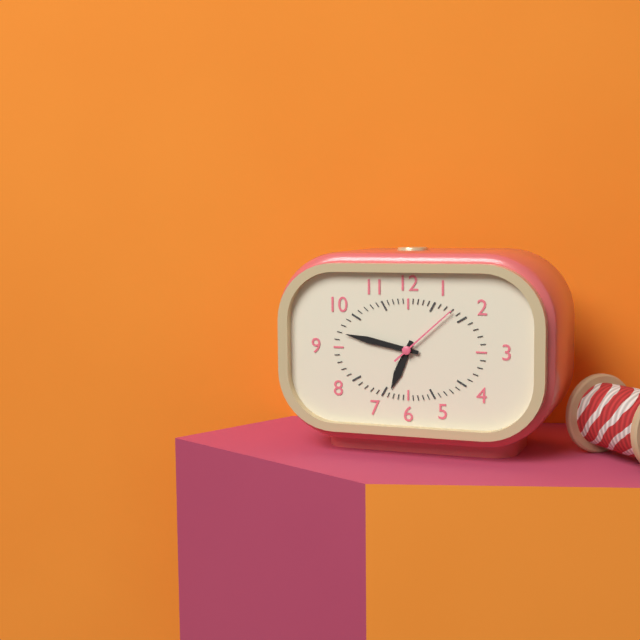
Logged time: 6 h 47 min 08 s
